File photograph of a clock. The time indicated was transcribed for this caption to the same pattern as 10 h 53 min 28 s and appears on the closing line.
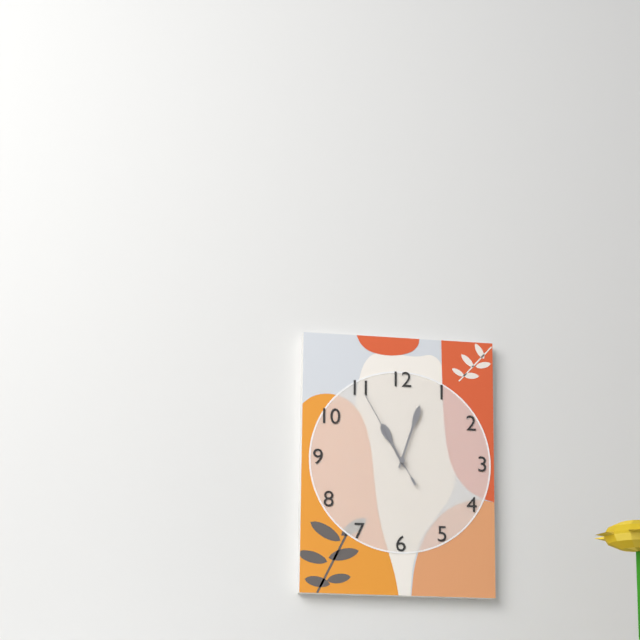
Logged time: 11 h 03 min 55 s
